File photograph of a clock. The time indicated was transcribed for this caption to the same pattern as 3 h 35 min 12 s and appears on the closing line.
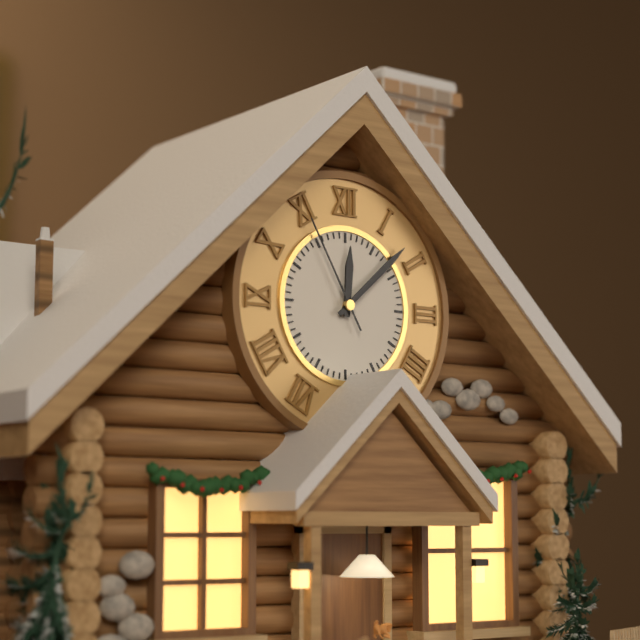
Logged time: 12 h 08 min 55 s
